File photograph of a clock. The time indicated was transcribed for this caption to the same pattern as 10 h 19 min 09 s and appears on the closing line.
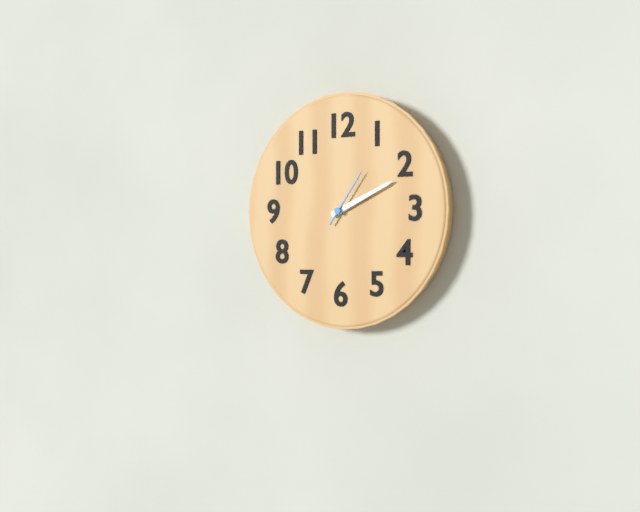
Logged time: 2 h 11 min 06 s
